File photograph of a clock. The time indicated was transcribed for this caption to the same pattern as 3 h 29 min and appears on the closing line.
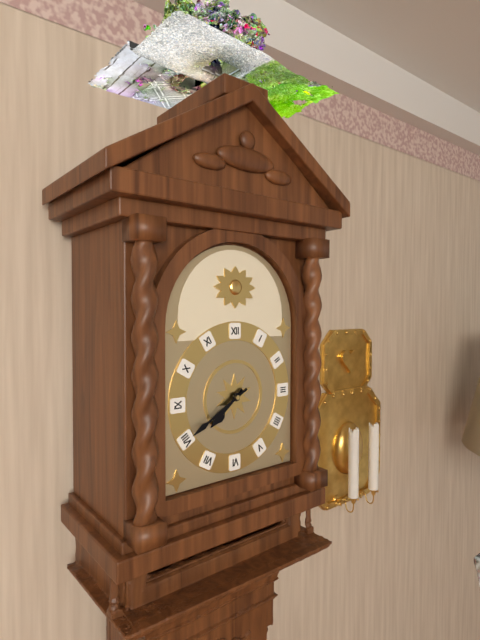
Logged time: 7 h 40 min
